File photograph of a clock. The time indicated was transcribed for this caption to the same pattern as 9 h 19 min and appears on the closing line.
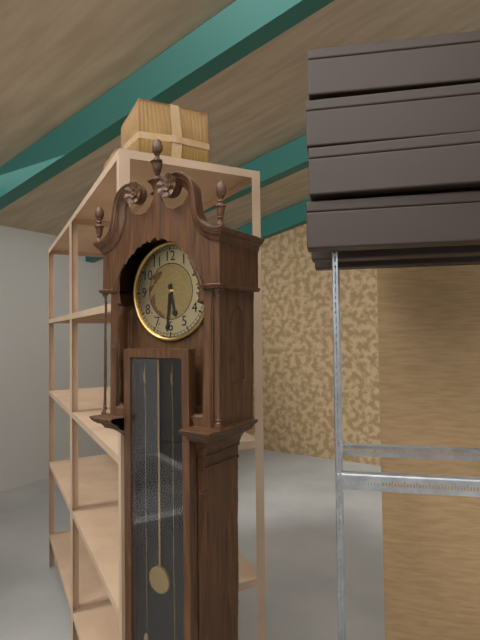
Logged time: 5 h 31 min
